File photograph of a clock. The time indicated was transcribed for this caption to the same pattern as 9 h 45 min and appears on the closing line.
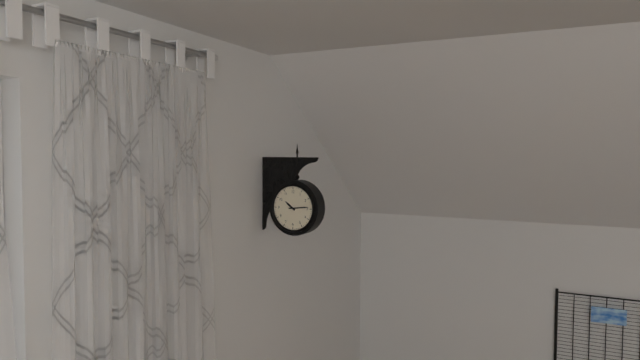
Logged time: 10 h 14 min
